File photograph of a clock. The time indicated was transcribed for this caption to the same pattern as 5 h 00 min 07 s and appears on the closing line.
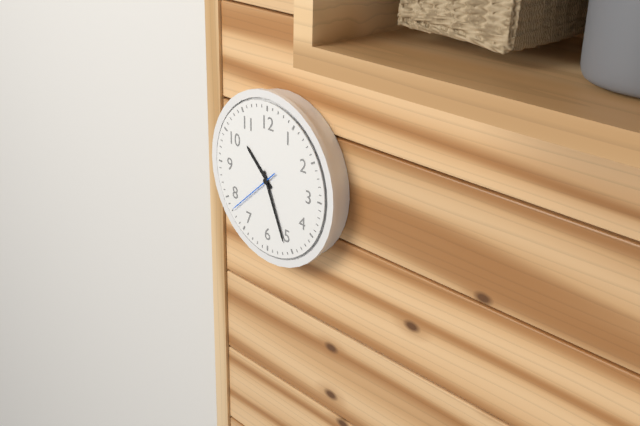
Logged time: 10 h 26 min 38 s
